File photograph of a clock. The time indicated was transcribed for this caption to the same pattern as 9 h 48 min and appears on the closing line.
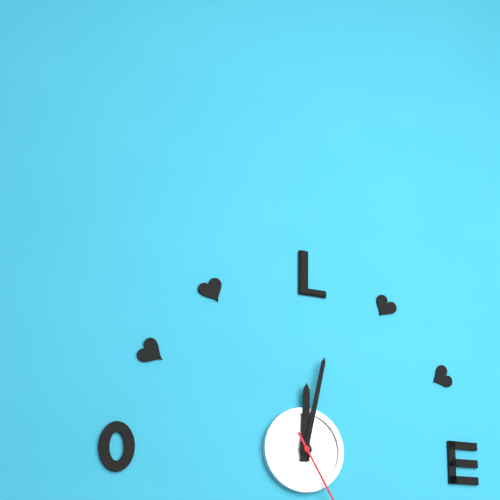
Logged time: 12 h 02 min
